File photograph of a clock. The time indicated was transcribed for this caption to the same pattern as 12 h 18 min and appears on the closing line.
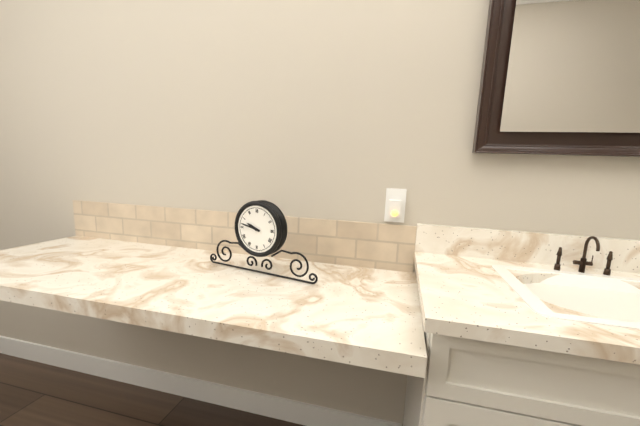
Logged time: 9 h 47 min
